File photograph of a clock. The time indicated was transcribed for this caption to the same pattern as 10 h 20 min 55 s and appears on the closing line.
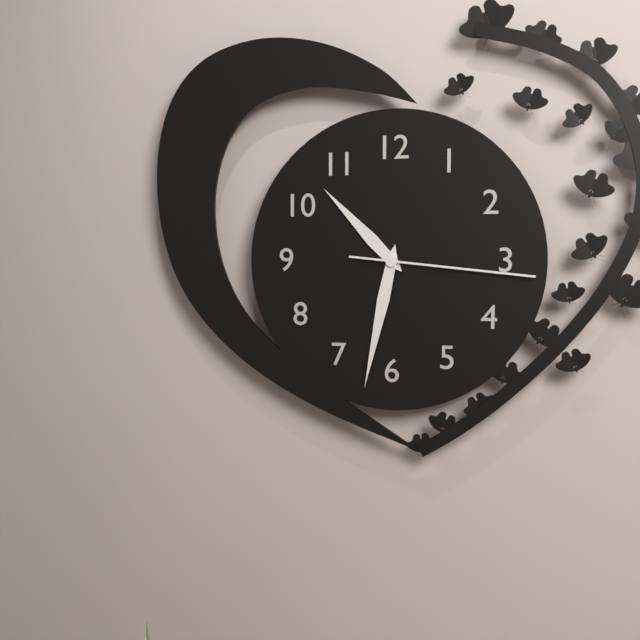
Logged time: 10 h 32 min 16 s
